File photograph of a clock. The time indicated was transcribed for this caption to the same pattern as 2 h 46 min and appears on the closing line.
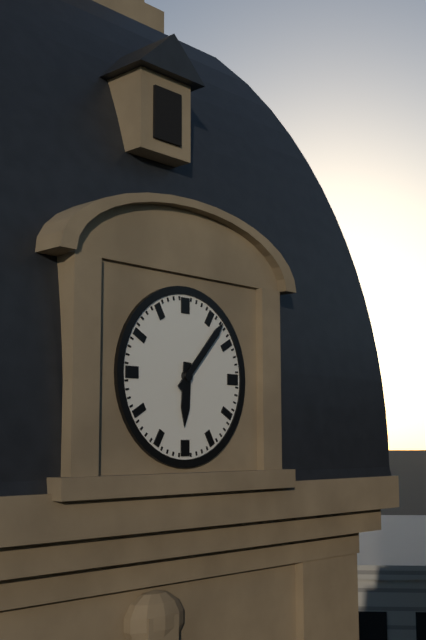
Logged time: 6 h 07 min
